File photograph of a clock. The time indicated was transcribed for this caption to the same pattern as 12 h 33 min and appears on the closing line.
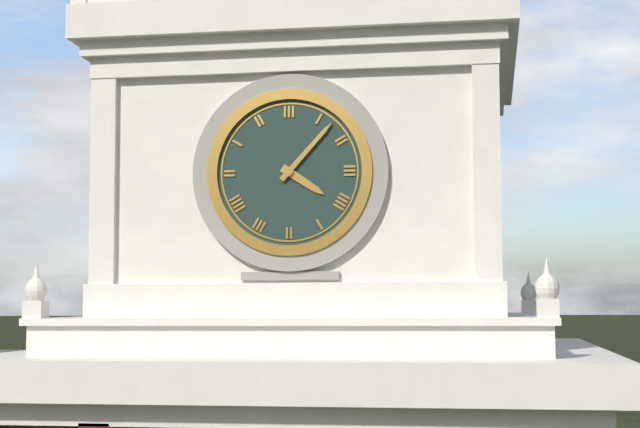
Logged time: 4 h 07 min
